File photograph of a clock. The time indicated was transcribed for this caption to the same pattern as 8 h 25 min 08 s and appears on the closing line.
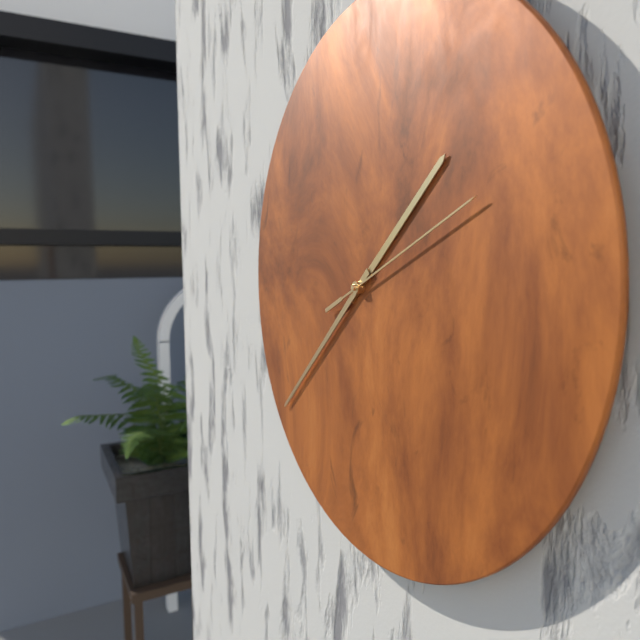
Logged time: 1 h 38 min 11 s
